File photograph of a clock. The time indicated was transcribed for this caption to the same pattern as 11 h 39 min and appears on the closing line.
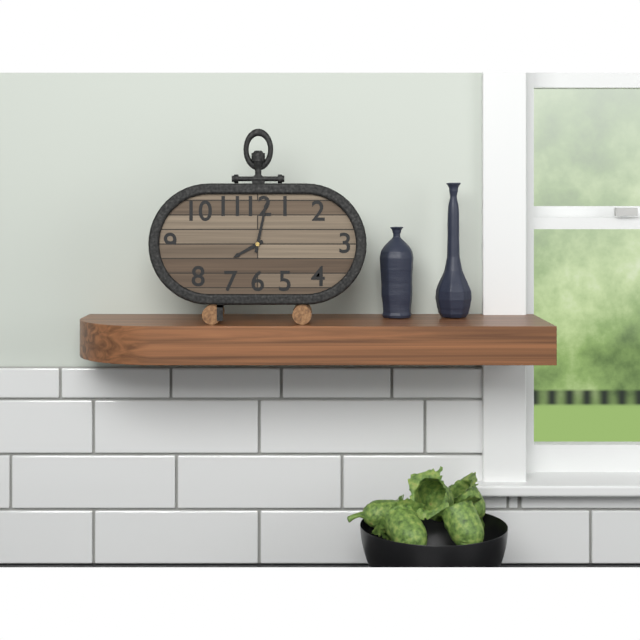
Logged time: 8 h 02 min
